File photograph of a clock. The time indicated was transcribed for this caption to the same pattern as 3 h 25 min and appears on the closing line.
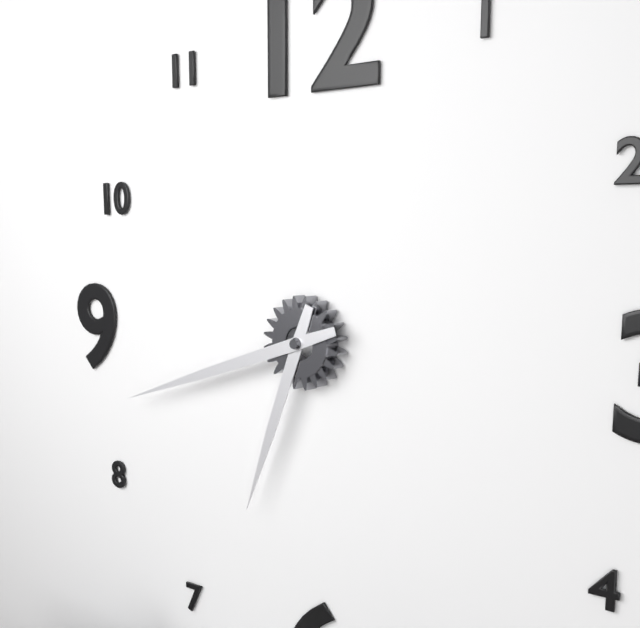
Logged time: 6 h 42 min
